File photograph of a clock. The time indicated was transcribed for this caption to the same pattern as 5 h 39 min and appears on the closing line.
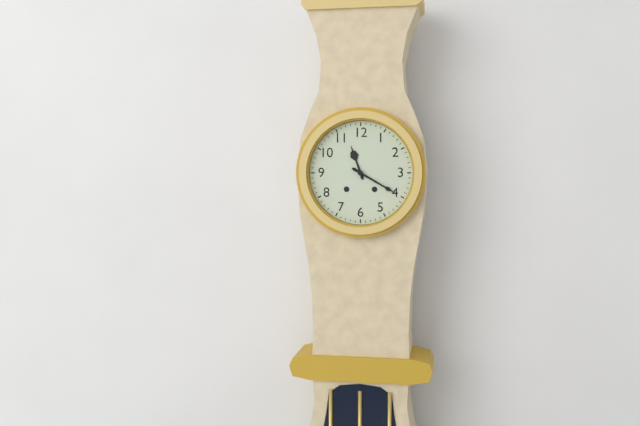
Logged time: 11 h 20 min
